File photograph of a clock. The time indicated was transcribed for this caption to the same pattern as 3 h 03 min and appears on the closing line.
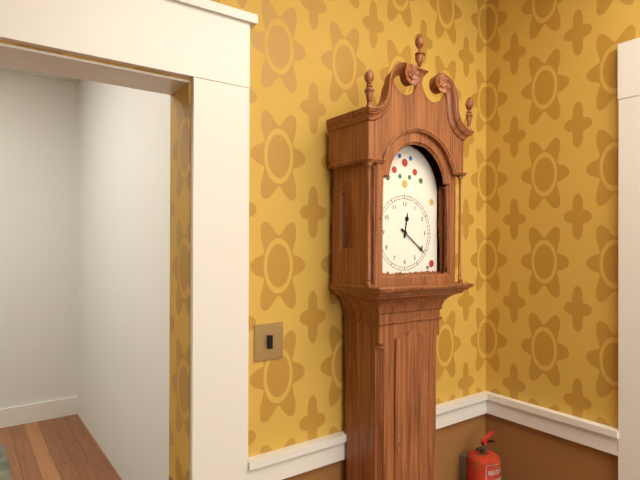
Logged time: 12 h 21 min
